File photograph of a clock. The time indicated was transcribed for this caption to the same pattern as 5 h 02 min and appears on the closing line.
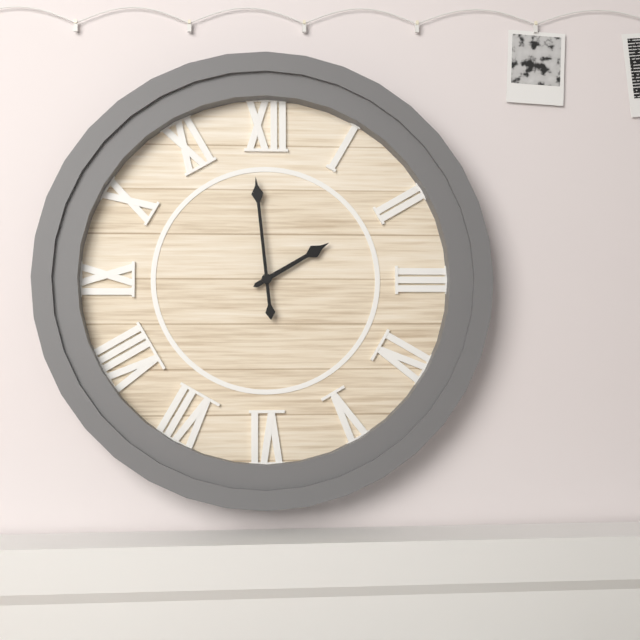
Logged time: 1 h 59 min
